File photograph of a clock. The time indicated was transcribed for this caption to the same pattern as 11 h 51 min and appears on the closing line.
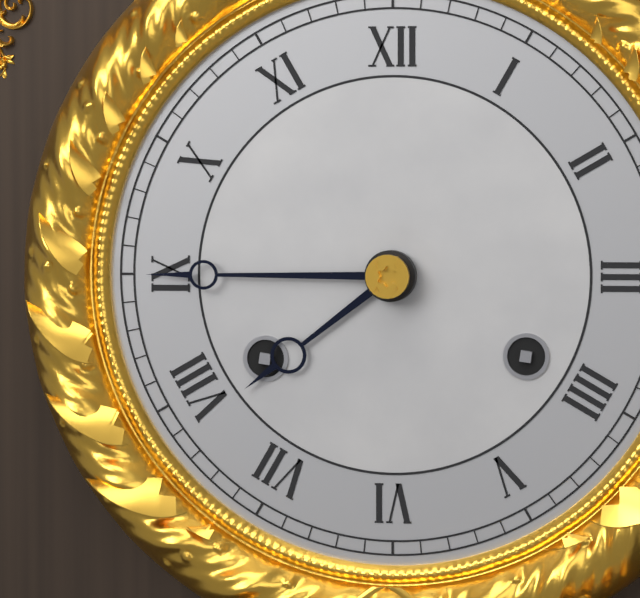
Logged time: 7 h 45 min
